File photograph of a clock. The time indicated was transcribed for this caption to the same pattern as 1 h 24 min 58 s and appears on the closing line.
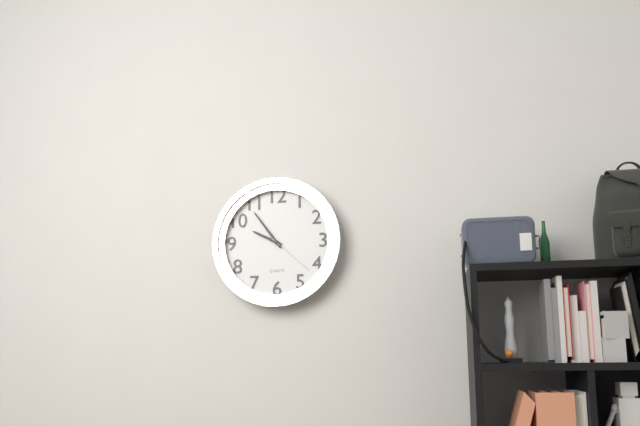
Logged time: 9 h 54 min 22 s
